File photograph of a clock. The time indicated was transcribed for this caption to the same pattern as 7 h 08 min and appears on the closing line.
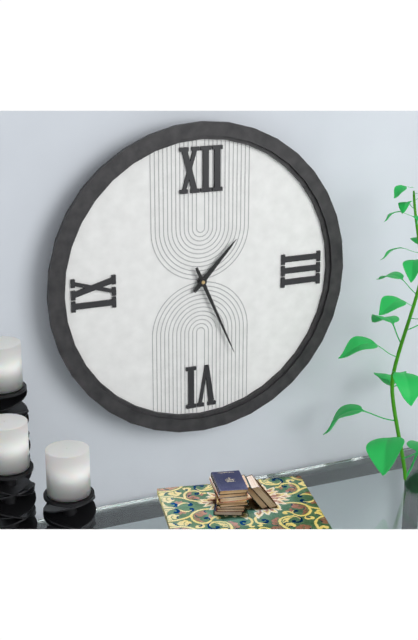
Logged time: 1 h 26 min
